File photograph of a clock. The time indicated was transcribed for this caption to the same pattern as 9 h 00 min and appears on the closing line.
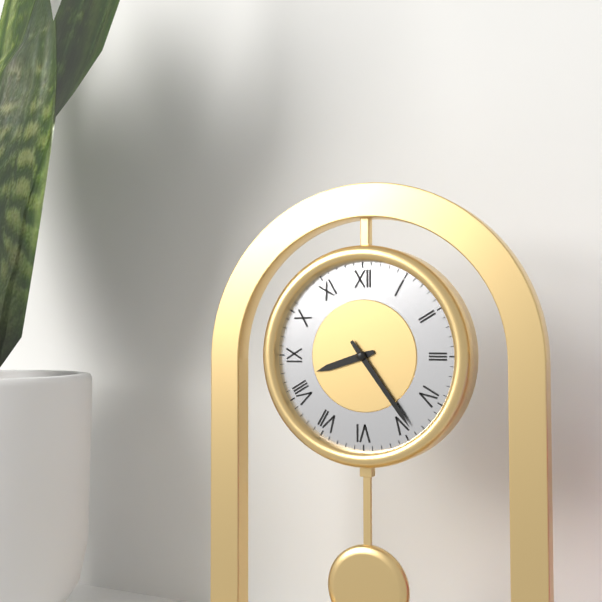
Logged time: 8 h 24 min
